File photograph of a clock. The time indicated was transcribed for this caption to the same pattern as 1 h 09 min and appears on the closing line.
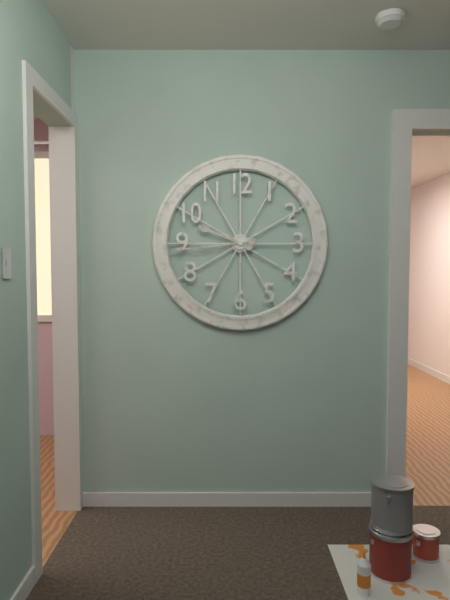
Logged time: 9 h 44 min
